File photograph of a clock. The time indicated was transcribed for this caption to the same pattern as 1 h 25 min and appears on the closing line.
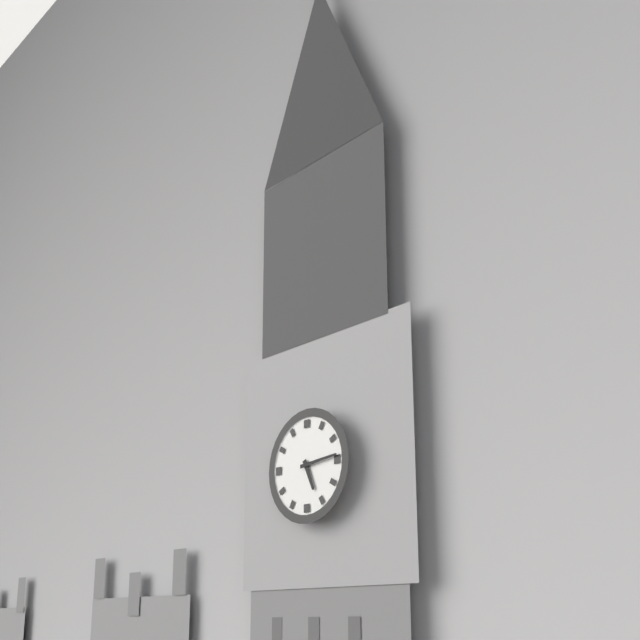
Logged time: 5 h 14 min
